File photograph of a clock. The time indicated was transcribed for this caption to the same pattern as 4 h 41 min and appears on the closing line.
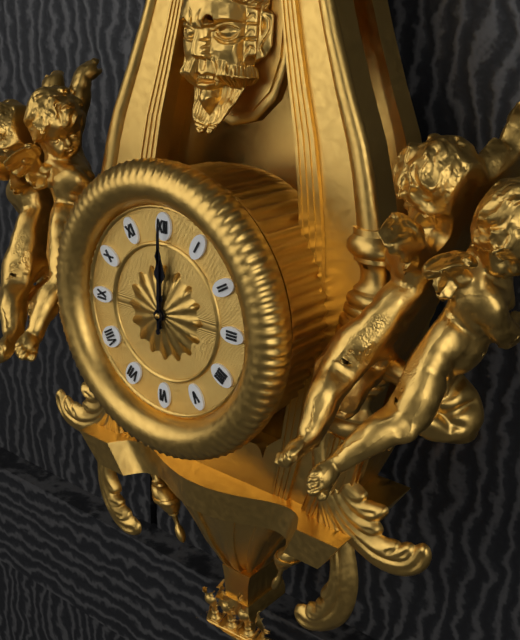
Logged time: 12 h 00 min
